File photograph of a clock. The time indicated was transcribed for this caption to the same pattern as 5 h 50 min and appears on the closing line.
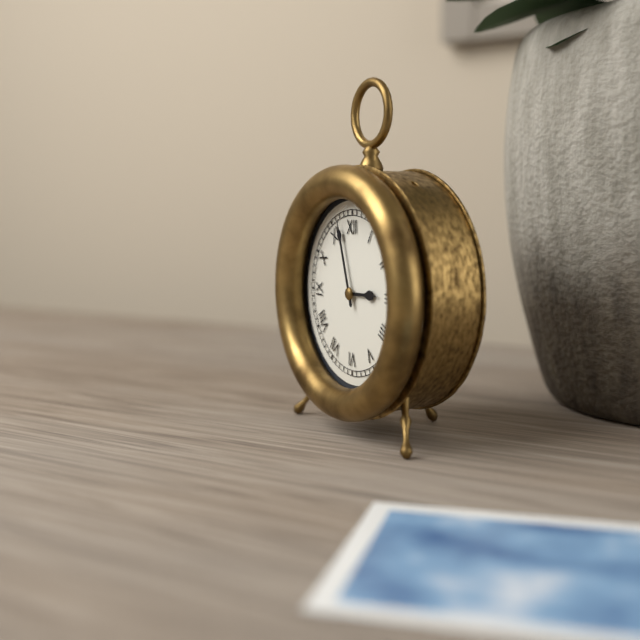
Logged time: 2 h 57 min
